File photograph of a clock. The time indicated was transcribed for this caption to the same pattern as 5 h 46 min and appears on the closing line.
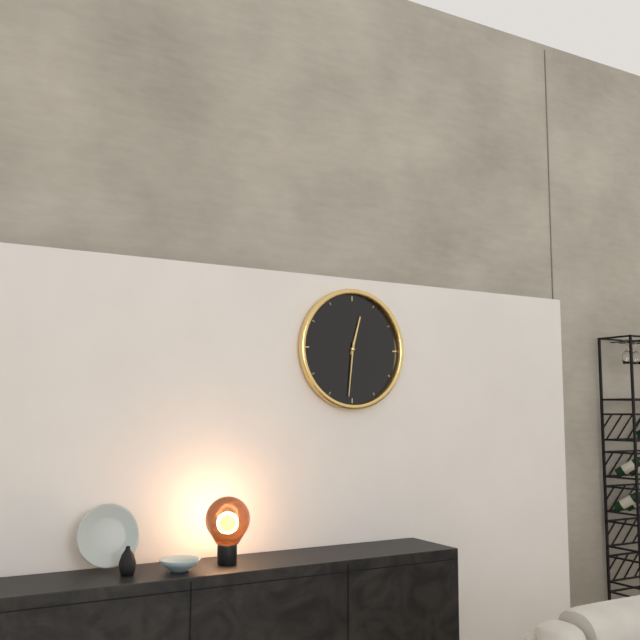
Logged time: 12 h 31 min
